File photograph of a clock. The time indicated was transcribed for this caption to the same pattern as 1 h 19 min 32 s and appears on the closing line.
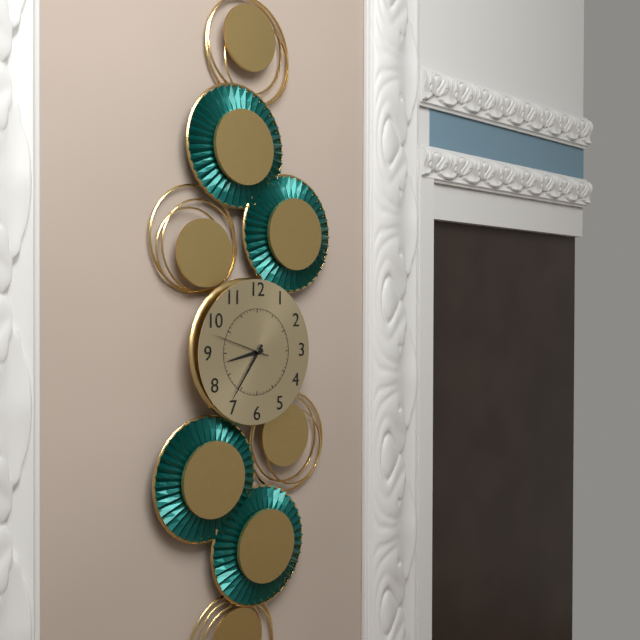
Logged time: 8 h 36 min 48 s
